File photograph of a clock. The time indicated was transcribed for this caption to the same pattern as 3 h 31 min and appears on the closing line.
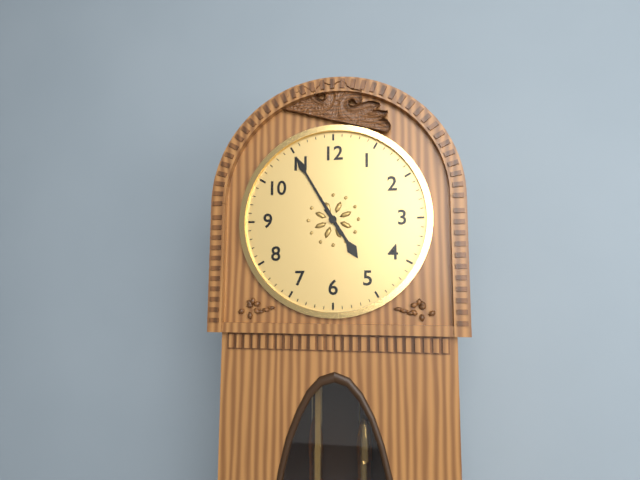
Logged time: 4 h 55 min
